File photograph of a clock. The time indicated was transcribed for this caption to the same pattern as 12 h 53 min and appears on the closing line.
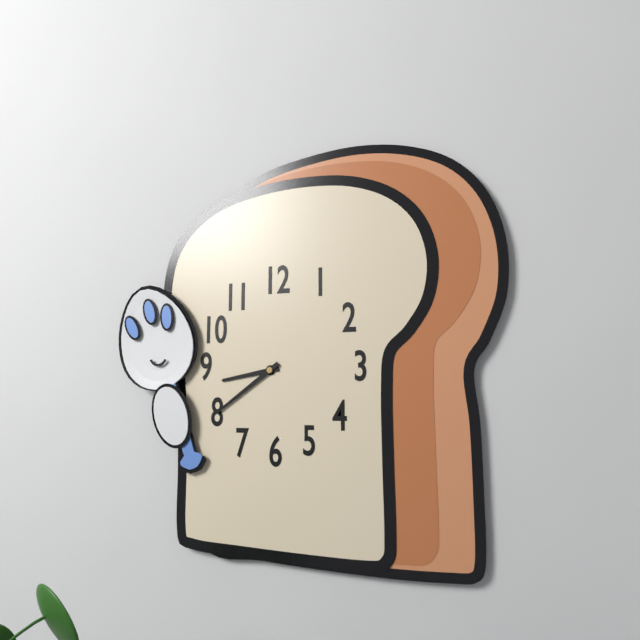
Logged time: 8 h 39 min
